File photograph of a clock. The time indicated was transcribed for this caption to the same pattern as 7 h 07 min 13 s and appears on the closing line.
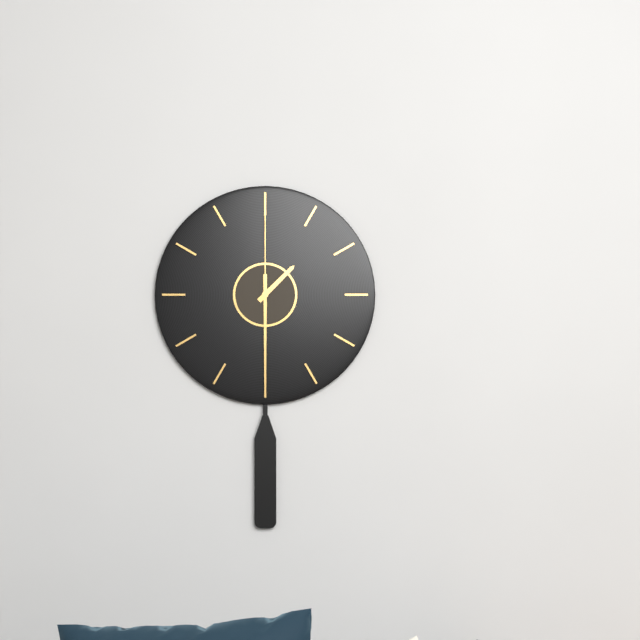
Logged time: 1 h 30 min 00 s
